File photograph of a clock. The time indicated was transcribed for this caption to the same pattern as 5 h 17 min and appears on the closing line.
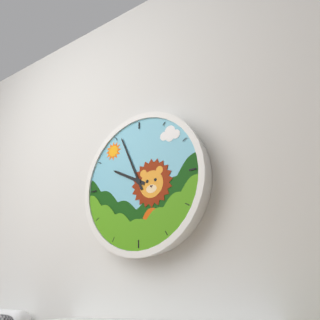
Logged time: 9 h 56 min
